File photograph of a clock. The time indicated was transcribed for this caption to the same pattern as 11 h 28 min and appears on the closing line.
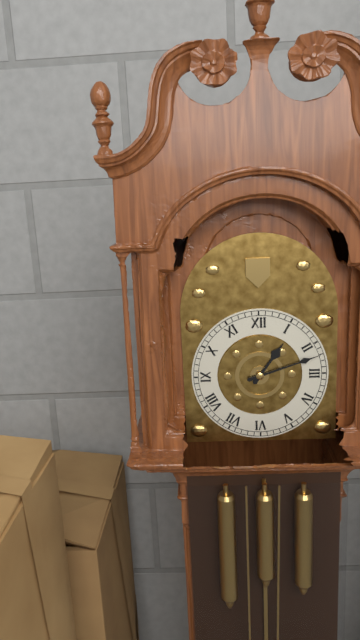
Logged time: 1 h 12 min
